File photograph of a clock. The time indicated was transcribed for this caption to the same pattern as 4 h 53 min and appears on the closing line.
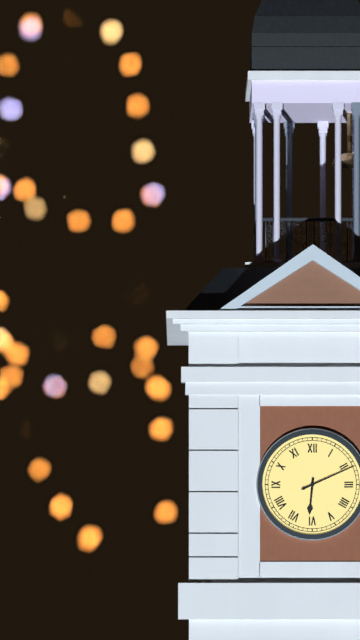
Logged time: 6 h 11 min
